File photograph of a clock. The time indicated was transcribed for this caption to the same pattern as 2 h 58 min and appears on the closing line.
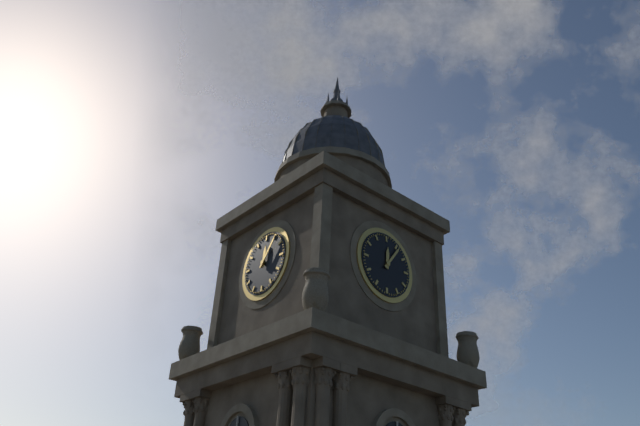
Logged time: 12 h 06 min
